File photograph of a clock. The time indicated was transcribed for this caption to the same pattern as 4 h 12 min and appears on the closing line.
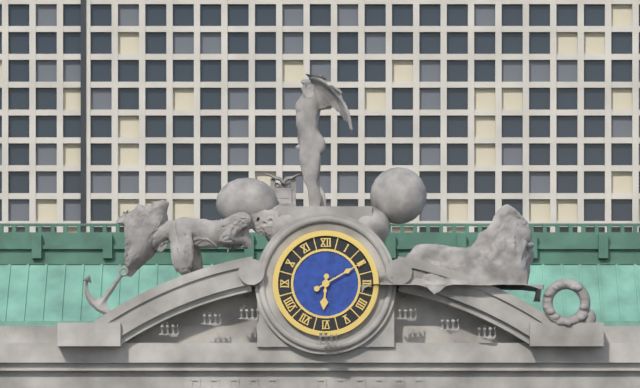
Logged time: 6 h 10 min
